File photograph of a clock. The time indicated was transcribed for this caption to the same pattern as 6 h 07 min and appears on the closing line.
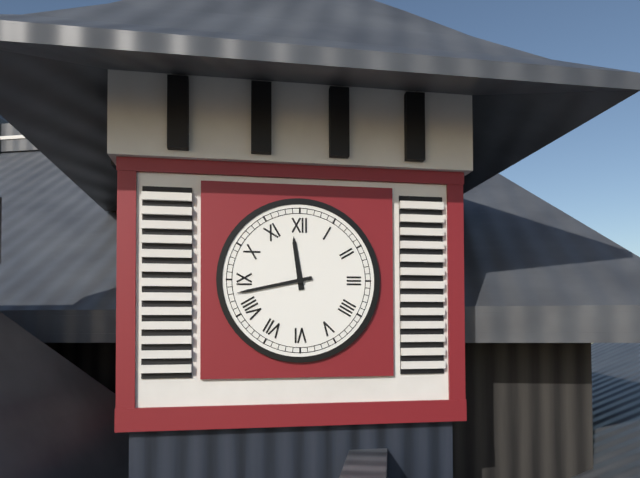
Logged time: 11 h 43 min
